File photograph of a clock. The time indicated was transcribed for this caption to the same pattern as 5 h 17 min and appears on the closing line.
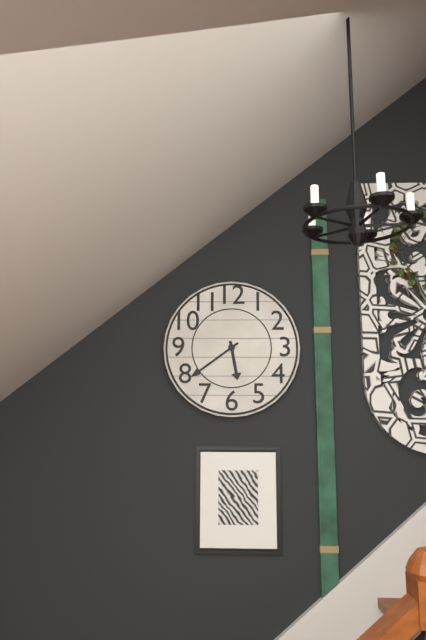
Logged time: 5 h 39 min
